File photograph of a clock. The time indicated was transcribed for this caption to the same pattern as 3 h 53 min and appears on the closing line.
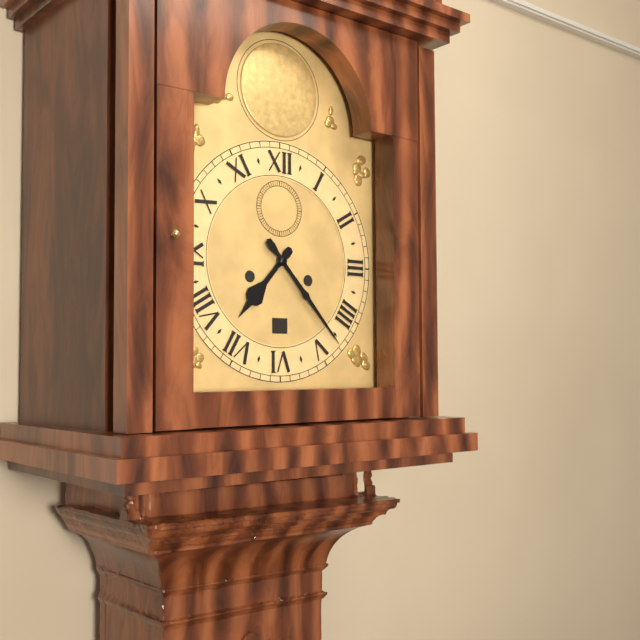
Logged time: 7 h 23 min
